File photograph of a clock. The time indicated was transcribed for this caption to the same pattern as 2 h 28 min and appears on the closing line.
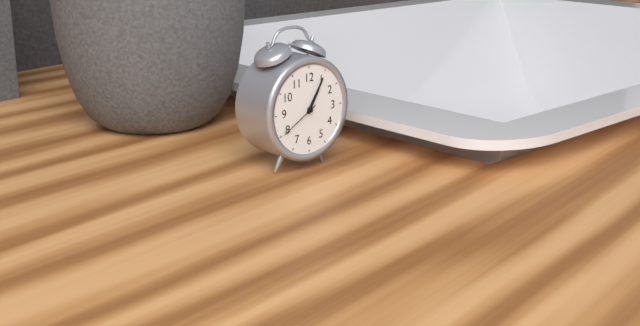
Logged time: 1 h 05 min
